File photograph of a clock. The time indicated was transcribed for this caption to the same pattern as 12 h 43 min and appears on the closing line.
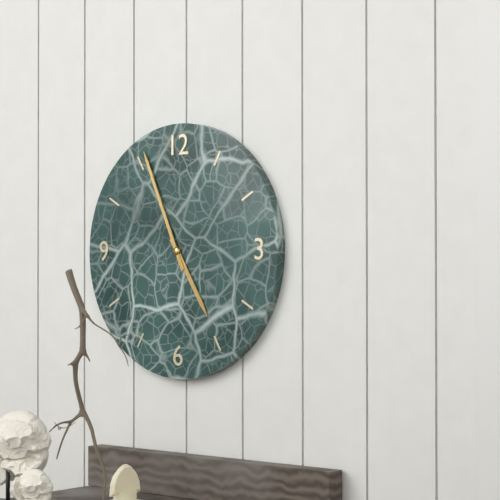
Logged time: 4 h 56 min
